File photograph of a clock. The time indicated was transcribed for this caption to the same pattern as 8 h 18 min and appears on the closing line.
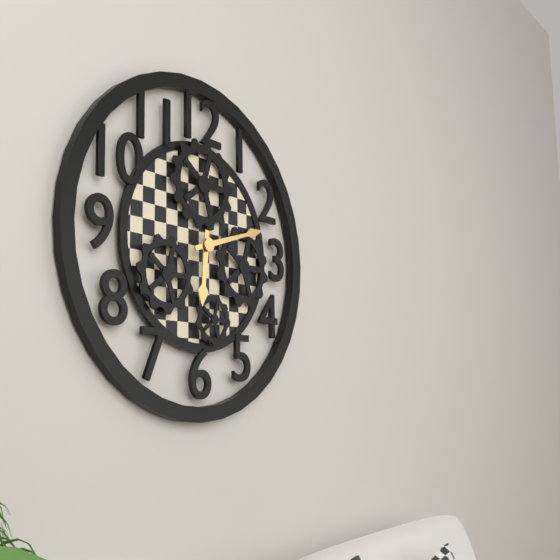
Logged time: 6 h 12 min
